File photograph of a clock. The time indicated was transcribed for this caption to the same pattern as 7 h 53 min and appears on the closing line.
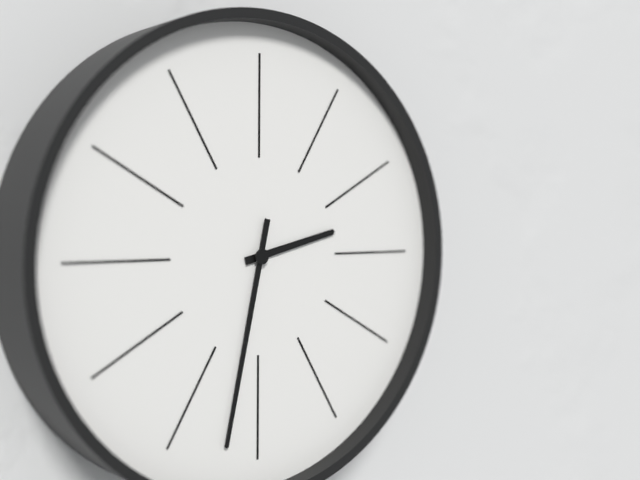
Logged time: 2 h 32 min
